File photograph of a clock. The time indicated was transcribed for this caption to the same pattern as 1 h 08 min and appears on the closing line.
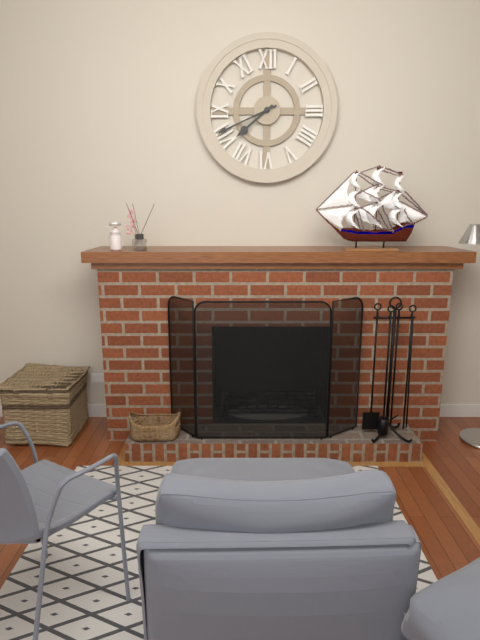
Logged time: 7 h 41 min
